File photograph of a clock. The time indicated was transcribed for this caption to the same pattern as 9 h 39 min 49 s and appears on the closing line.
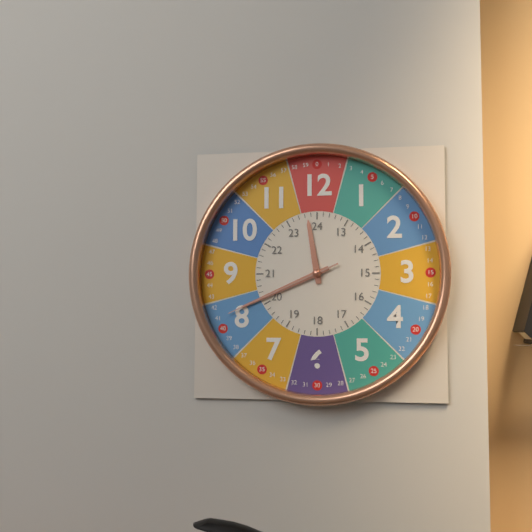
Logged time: 11 h 41 min 41 s
